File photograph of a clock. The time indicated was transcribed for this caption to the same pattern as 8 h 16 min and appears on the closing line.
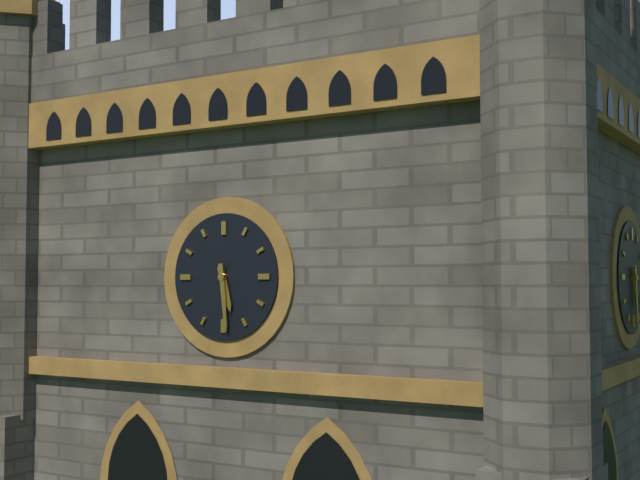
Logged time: 5 h 29 min
